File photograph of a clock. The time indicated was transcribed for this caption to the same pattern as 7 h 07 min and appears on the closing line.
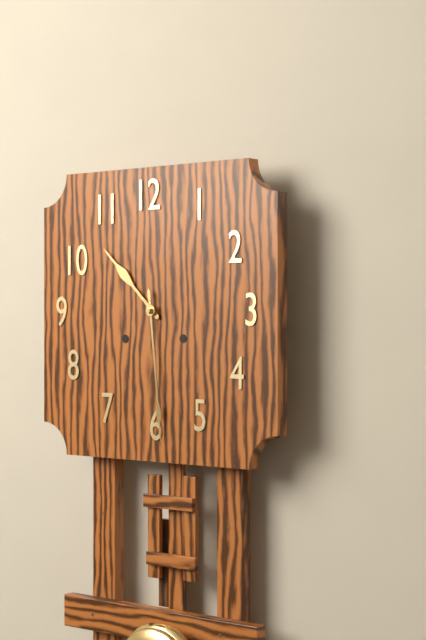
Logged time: 10 h 29 min
